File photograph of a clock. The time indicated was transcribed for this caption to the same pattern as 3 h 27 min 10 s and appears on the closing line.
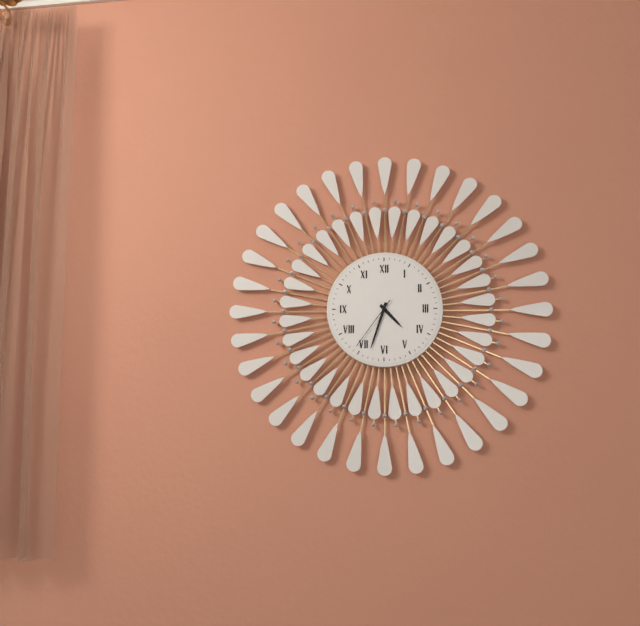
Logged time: 4 h 33 min 36 s
